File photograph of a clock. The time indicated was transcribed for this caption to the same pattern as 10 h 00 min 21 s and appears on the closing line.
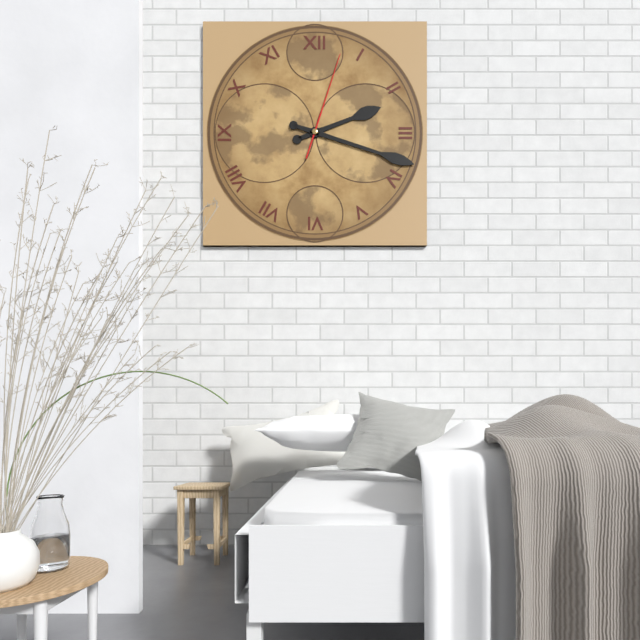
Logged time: 2 h 18 min 03 s
